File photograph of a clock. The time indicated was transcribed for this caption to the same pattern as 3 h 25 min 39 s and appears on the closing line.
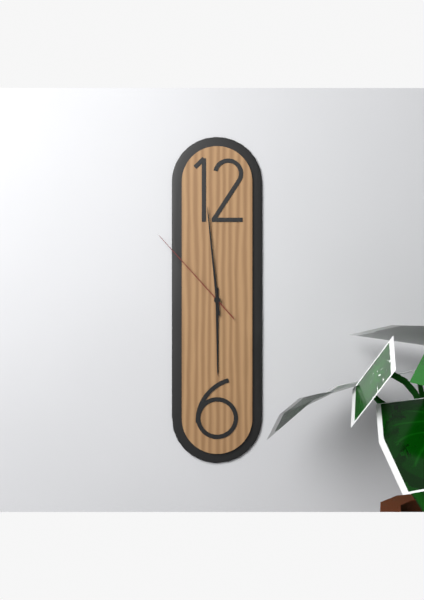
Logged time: 5 h 59 min 53 s
